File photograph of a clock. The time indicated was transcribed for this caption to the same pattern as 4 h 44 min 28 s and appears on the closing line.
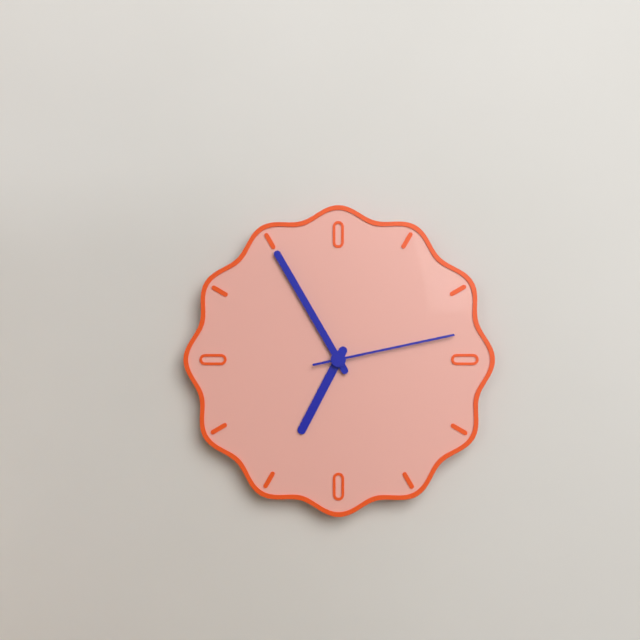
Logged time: 6 h 55 min 13 s
